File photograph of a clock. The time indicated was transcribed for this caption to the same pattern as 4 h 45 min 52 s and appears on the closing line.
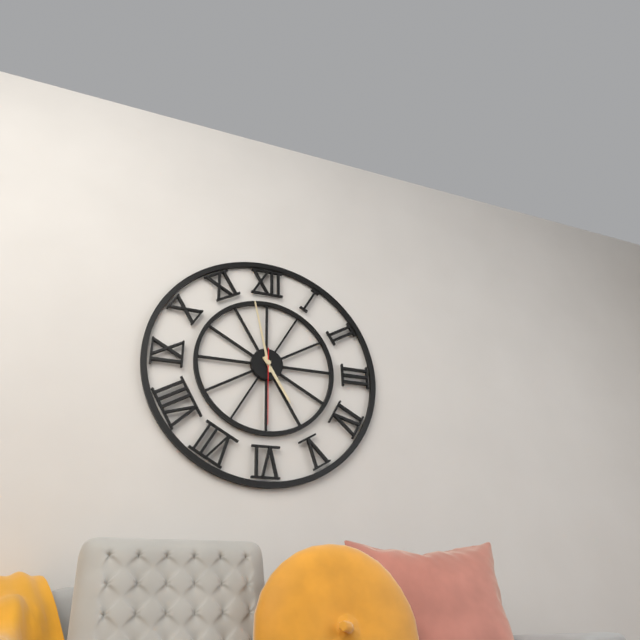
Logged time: 4 h 58 min 30 s
